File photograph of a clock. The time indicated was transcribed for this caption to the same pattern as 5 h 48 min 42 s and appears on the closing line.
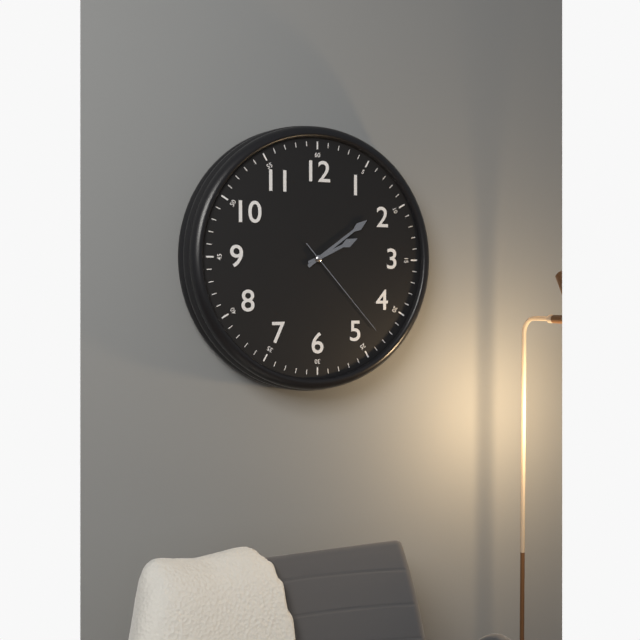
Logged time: 2 h 09 min 23 s
